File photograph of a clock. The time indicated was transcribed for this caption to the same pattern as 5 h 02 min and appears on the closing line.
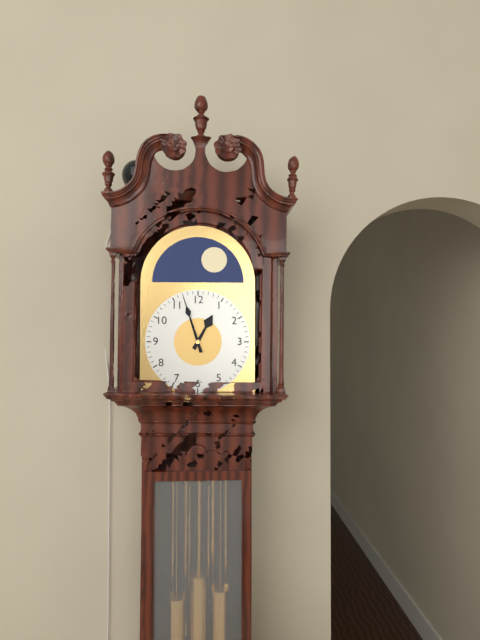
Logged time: 12 h 57 min
